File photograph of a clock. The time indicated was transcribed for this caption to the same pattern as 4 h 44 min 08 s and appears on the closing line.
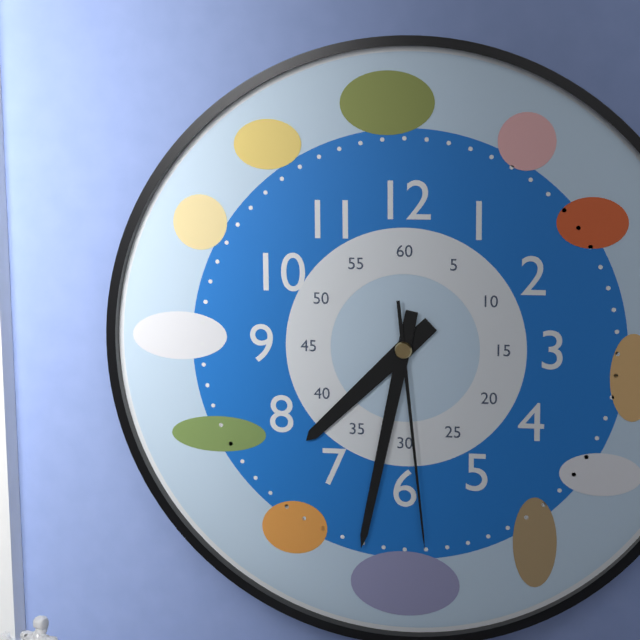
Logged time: 7 h 32 min 29 s
